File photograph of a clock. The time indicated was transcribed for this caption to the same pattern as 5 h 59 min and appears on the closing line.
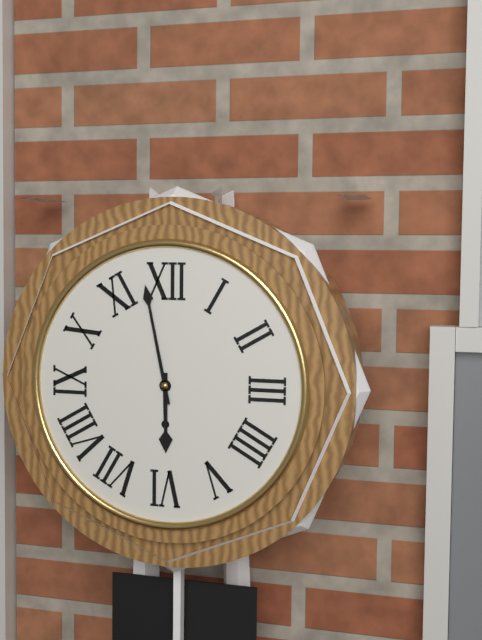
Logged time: 5 h 58 min
